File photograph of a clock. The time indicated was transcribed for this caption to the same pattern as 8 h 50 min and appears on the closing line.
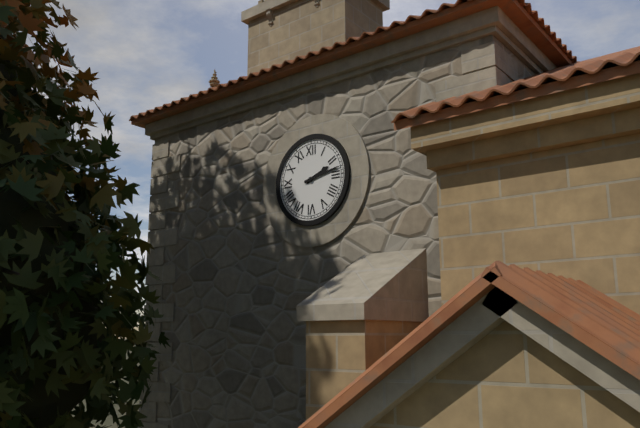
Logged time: 2 h 13 min
